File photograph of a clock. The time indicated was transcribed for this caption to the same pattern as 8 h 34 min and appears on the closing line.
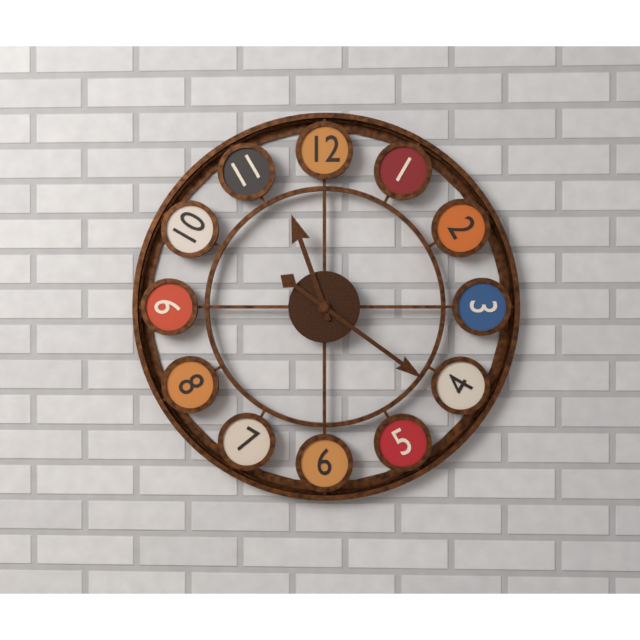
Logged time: 11 h 21 min
